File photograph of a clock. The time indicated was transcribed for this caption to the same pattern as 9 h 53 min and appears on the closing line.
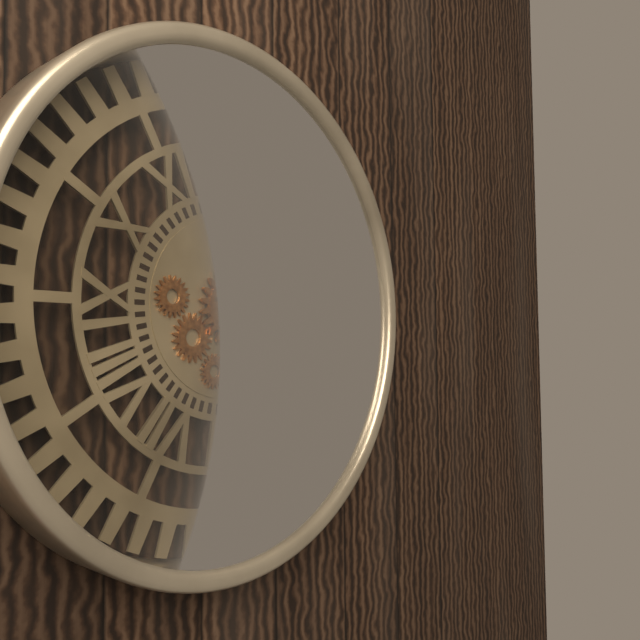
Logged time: 3 h 59 min
